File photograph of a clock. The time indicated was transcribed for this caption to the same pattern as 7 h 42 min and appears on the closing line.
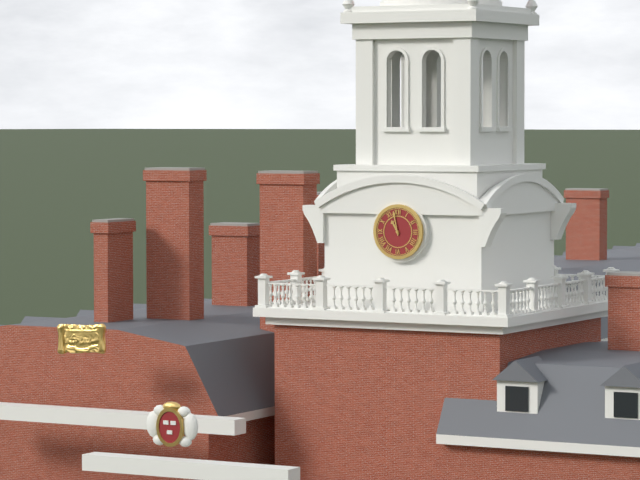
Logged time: 10 h 58 min
